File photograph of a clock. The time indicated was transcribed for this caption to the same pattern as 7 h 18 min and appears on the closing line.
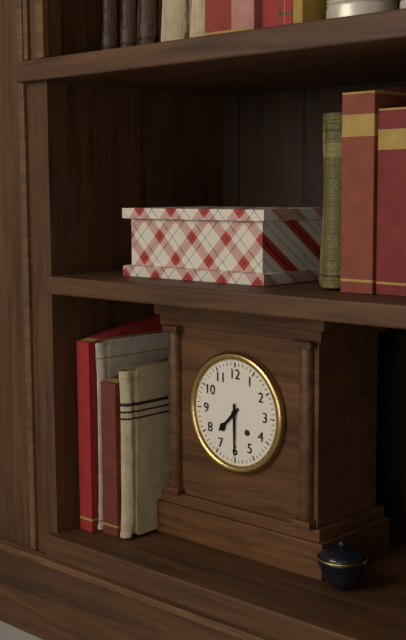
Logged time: 7 h 30 min
